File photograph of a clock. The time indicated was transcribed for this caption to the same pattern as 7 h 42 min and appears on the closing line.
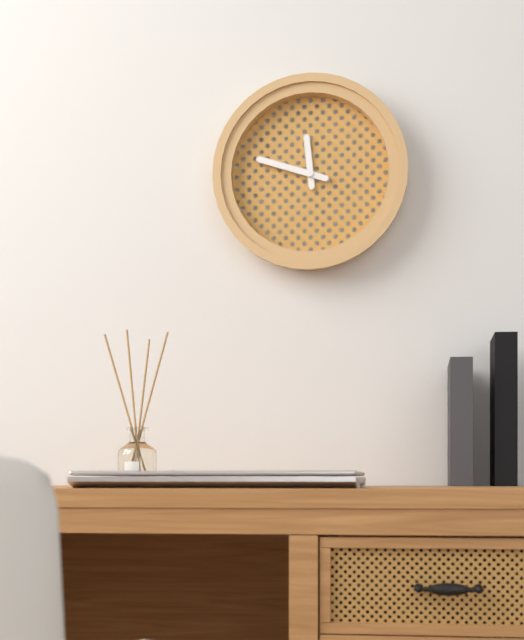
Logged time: 11 h 48 min
